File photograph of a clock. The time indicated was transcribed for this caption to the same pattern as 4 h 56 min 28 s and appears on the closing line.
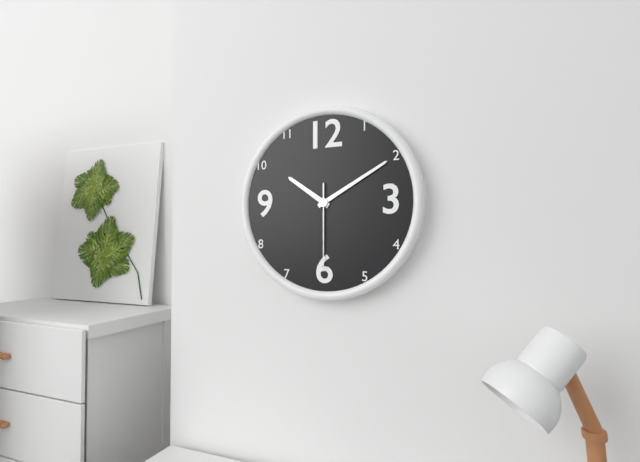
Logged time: 10 h 10 min 30 s
